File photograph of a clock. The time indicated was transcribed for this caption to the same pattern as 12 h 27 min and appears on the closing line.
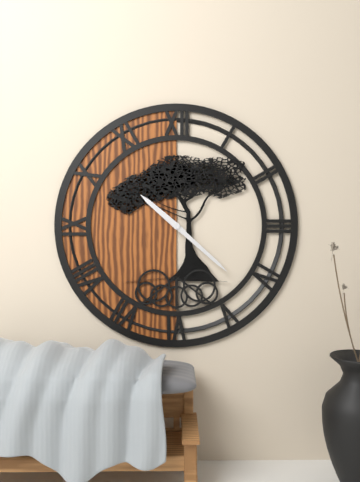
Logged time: 10 h 22 min
